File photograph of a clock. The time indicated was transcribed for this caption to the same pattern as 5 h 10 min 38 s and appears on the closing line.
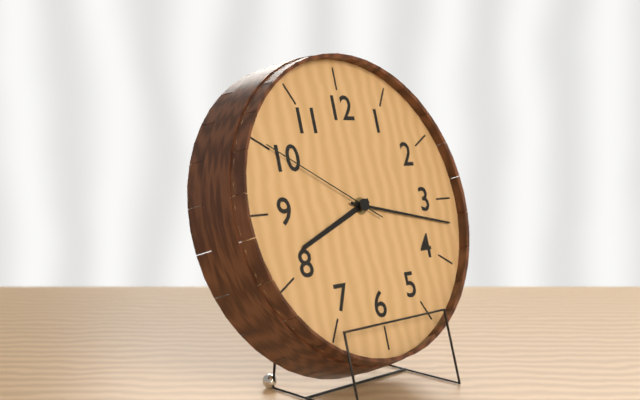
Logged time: 8 h 17 min 50 s
